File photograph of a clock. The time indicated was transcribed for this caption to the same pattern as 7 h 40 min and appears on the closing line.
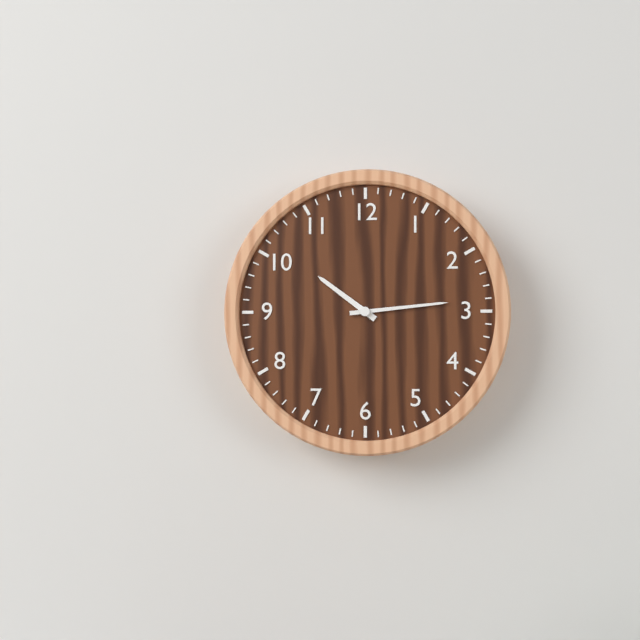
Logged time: 10 h 14 min
